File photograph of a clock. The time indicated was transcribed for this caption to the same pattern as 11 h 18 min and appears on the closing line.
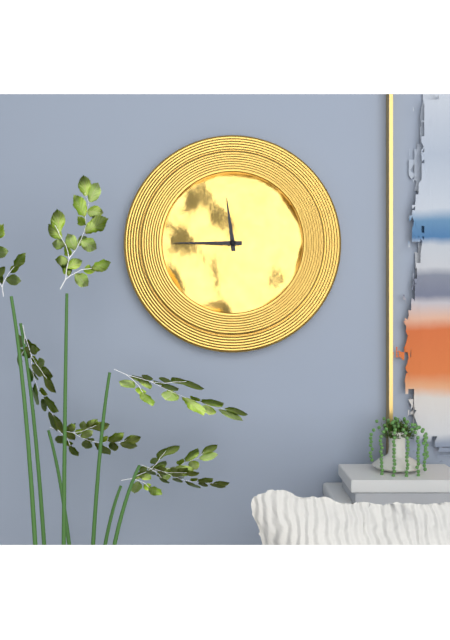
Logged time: 11 h 45 min
